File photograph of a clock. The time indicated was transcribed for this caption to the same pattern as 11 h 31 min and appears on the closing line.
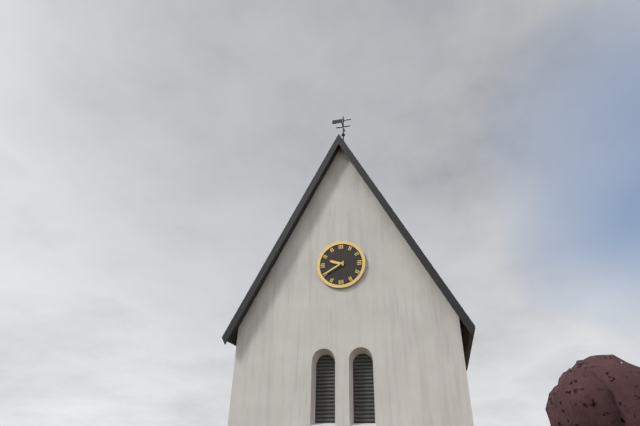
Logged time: 9 h 40 min
